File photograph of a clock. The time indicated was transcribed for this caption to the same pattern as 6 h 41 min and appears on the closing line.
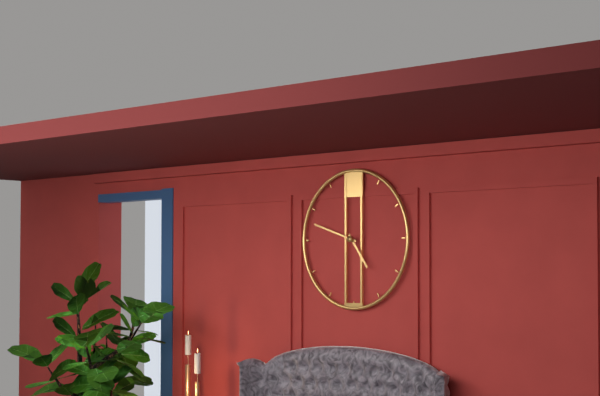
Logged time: 4 h 48 min
